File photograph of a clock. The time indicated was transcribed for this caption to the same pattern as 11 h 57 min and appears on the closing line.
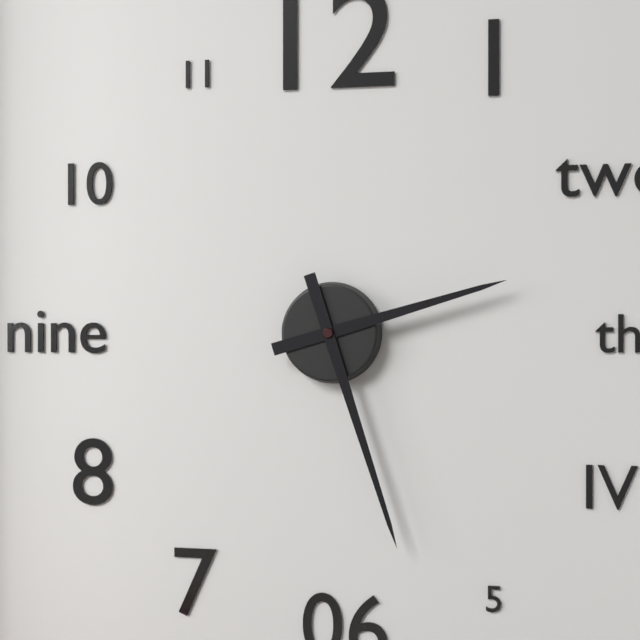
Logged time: 2 h 27 min
